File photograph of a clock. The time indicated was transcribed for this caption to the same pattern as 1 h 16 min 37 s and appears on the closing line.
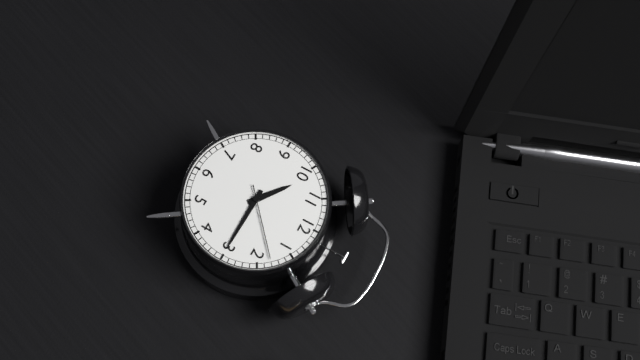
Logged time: 10 h 15 min 08 s
